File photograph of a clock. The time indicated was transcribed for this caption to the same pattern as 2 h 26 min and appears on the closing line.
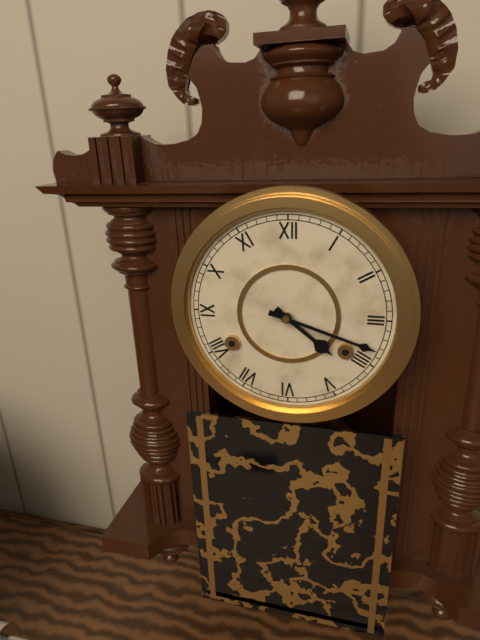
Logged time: 4 h 18 min
